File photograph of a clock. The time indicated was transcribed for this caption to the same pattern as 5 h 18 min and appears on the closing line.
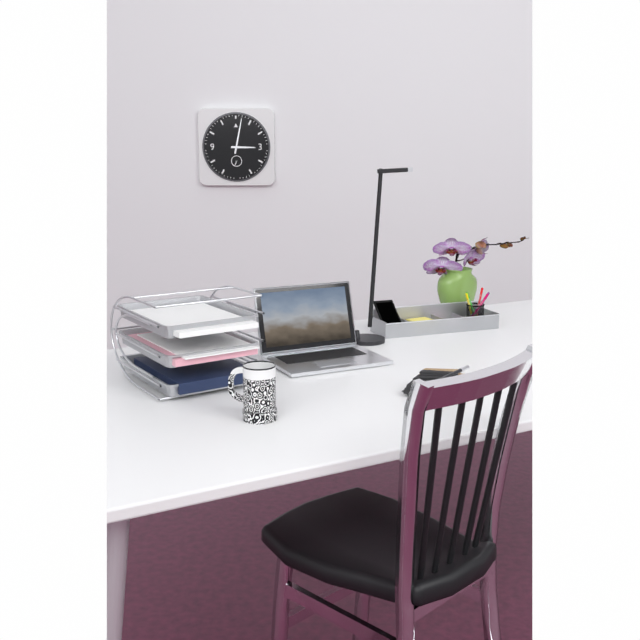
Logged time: 3 h 02 min
